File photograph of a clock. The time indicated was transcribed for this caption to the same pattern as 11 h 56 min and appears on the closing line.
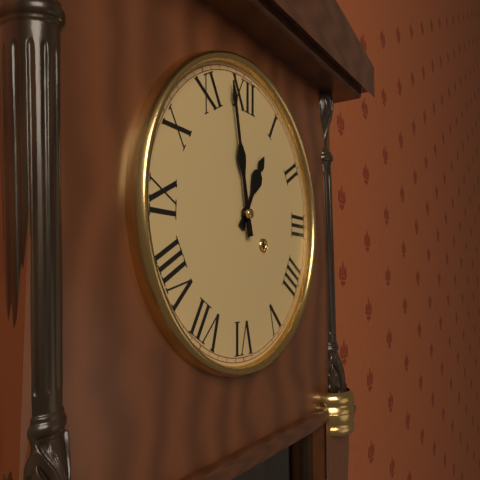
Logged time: 12 h 58 min
